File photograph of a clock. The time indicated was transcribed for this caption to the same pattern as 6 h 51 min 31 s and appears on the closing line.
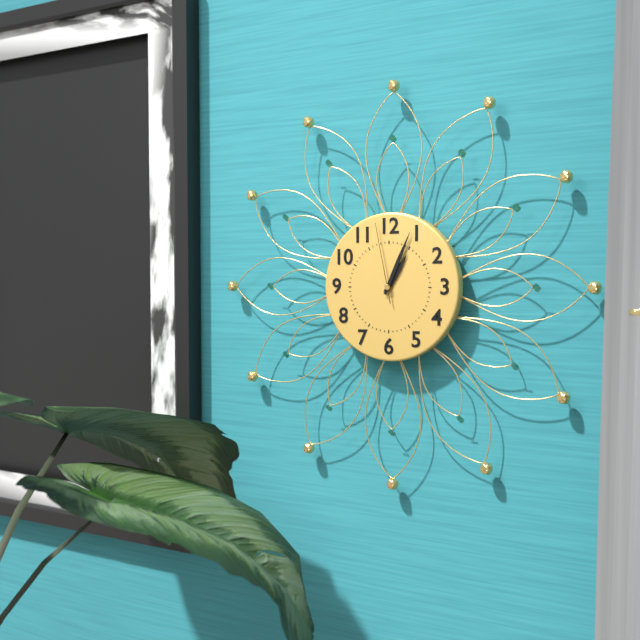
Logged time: 1 h 04 min 58 s
